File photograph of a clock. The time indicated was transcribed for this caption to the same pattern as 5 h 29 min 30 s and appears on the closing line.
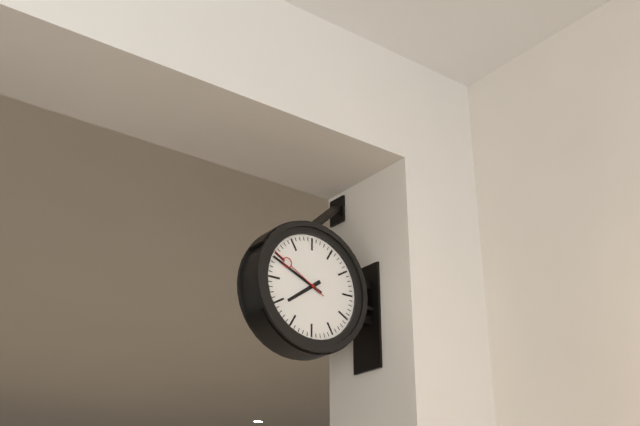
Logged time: 7 h 49 min 50 s
